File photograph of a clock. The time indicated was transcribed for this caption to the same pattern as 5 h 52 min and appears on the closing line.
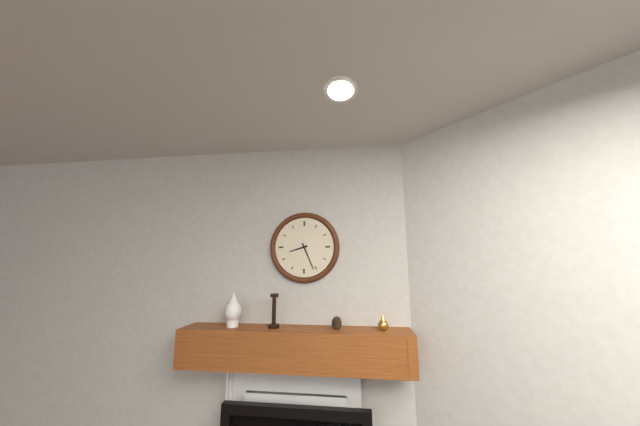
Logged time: 8 h 26 min
